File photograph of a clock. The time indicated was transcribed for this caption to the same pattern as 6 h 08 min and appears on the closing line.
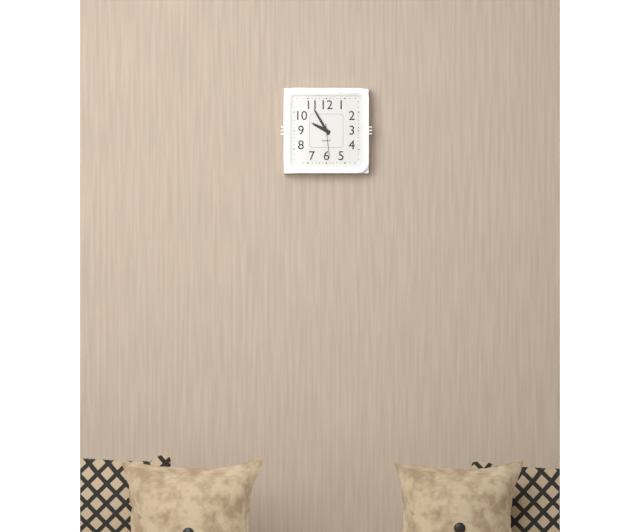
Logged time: 9 h 55 min
